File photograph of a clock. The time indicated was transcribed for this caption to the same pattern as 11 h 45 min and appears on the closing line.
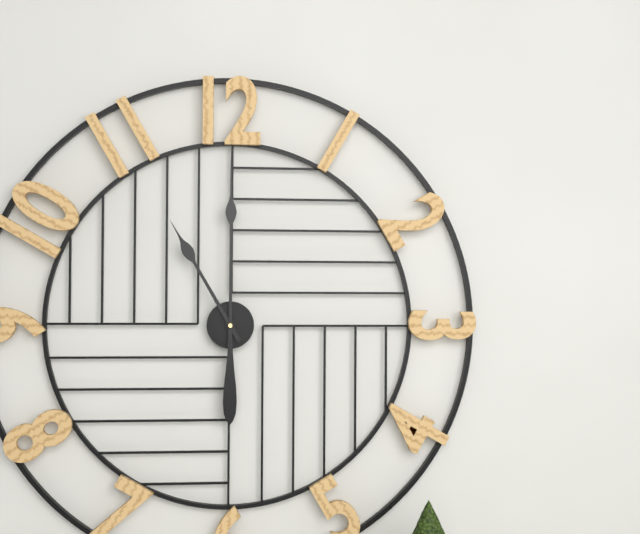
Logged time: 11 h 00 min
